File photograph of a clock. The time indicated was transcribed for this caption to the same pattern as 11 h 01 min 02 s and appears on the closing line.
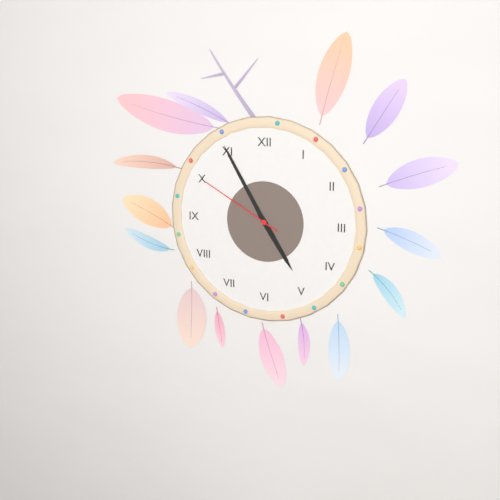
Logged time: 4 h 55 min 50 s
